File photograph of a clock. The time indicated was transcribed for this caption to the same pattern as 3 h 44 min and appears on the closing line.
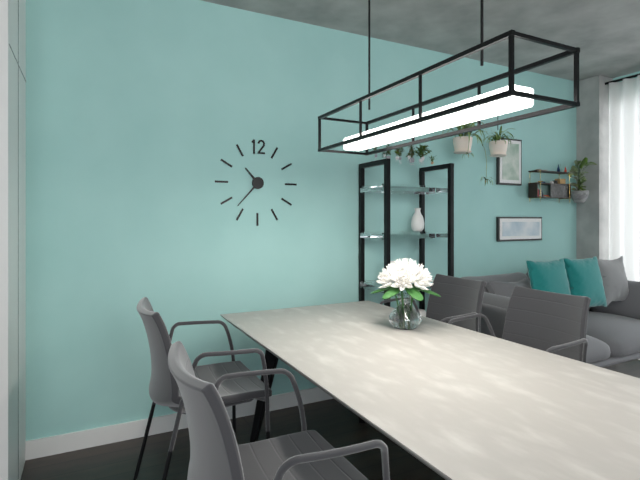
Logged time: 10 h 37 min
